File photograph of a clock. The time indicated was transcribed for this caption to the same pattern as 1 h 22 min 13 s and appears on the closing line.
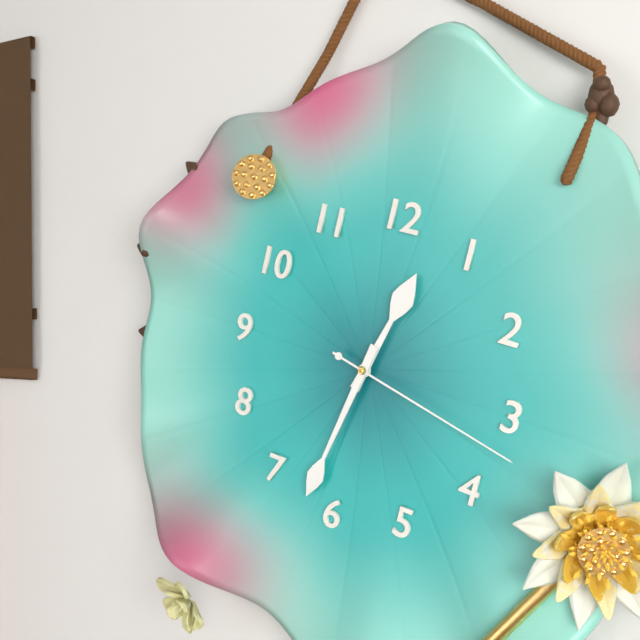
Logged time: 12 h 32 min 17 s
